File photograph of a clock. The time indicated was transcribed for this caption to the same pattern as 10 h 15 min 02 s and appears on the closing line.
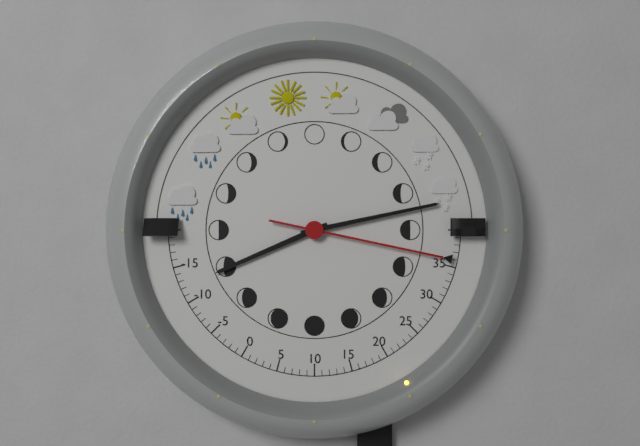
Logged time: 8 h 13 min 17 s
